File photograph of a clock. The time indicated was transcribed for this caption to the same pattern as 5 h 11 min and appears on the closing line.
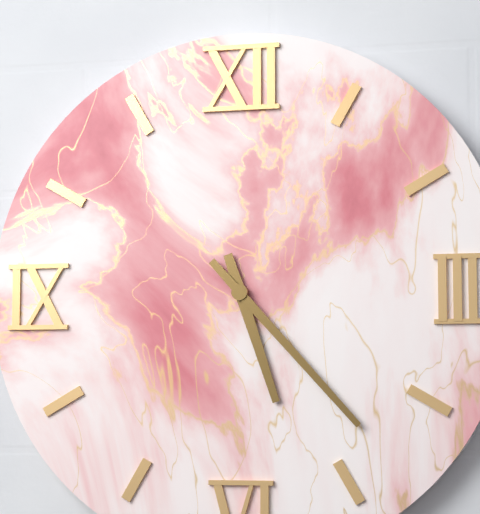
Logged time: 5 h 23 min
